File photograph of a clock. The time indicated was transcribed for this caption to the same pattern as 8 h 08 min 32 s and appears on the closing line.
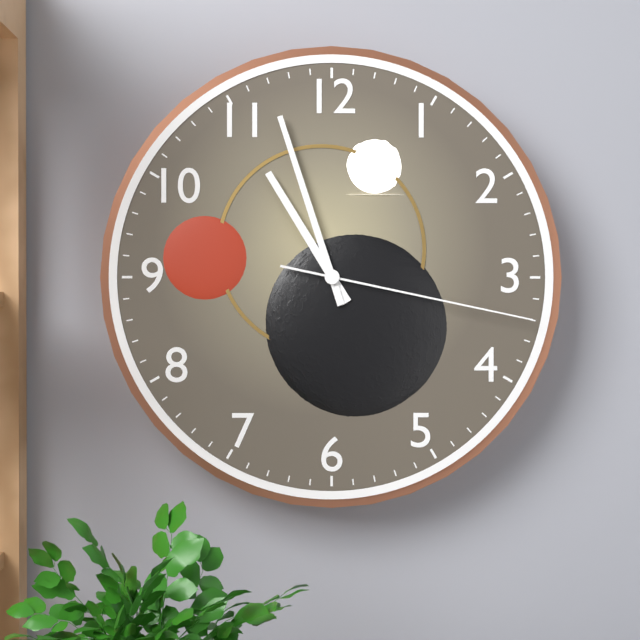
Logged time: 10 h 57 min 17 s
